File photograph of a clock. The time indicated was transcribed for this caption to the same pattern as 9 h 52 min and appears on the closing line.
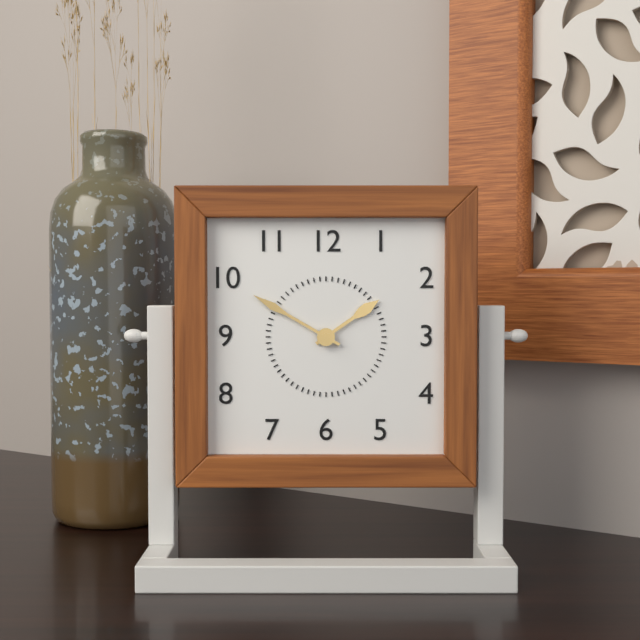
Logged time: 1 h 50 min
